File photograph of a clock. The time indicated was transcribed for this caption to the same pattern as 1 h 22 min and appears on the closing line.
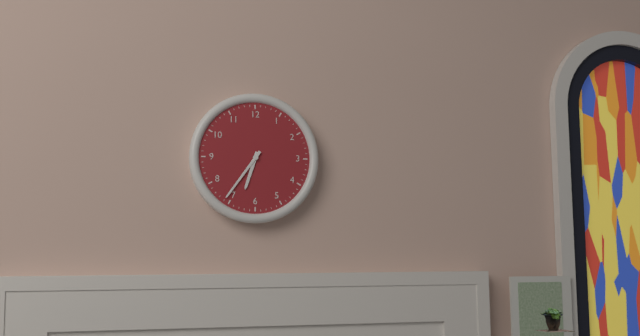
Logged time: 6 h 36 min
